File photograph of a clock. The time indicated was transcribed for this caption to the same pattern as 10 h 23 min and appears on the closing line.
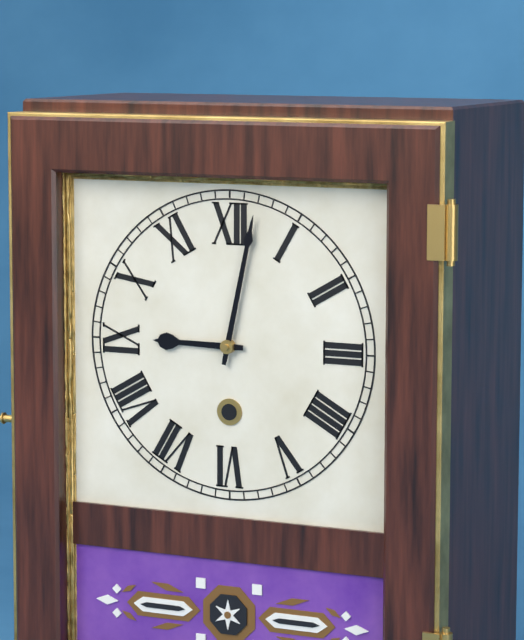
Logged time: 9 h 02 min
